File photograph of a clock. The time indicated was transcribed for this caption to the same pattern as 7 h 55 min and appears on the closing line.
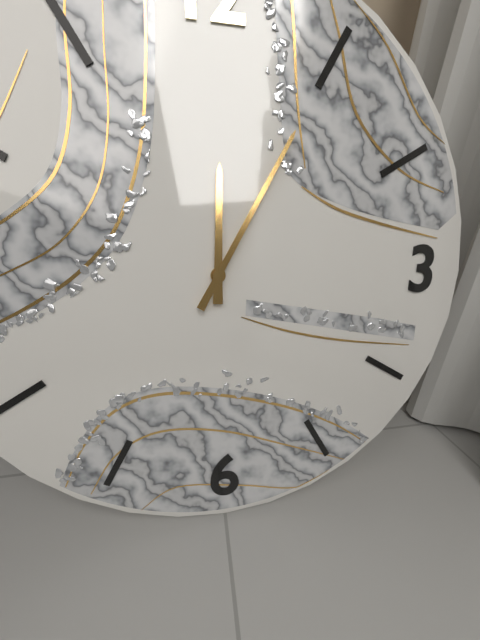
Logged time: 12 h 05 min
